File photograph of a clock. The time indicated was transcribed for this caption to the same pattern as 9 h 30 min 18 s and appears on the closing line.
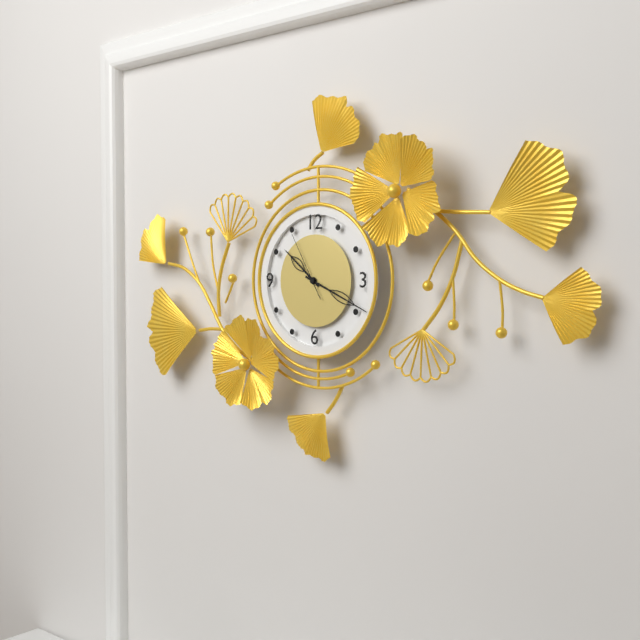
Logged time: 10 h 19 min 55 s
